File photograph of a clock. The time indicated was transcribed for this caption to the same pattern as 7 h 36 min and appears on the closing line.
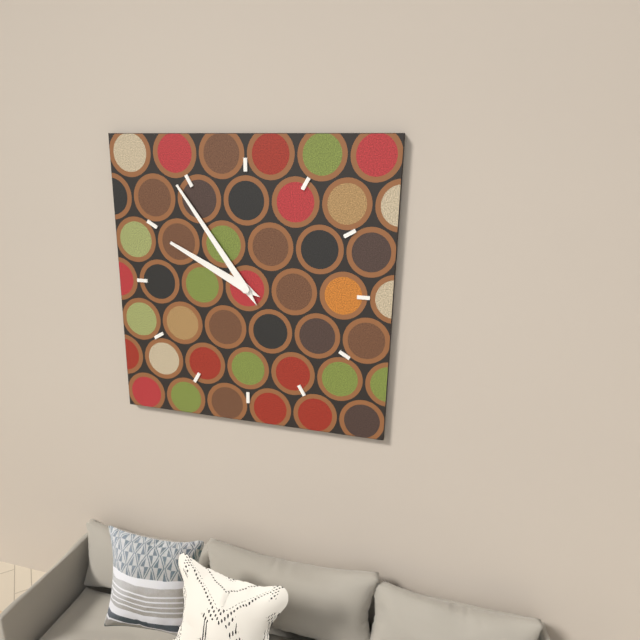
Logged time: 9 h 54 min
